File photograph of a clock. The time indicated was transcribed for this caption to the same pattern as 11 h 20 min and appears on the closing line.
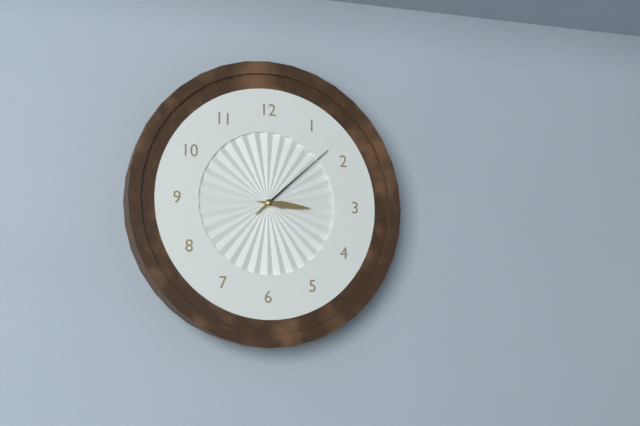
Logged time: 3 h 08 min
